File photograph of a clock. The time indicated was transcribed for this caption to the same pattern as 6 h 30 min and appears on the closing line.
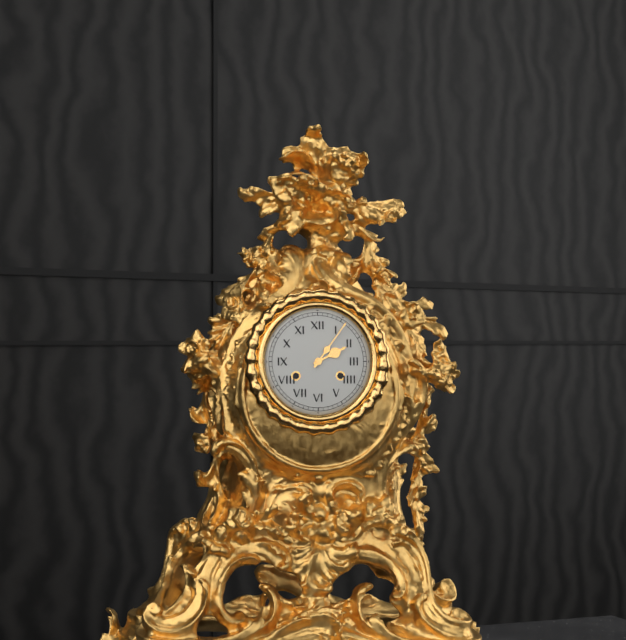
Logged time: 2 h 06 min
